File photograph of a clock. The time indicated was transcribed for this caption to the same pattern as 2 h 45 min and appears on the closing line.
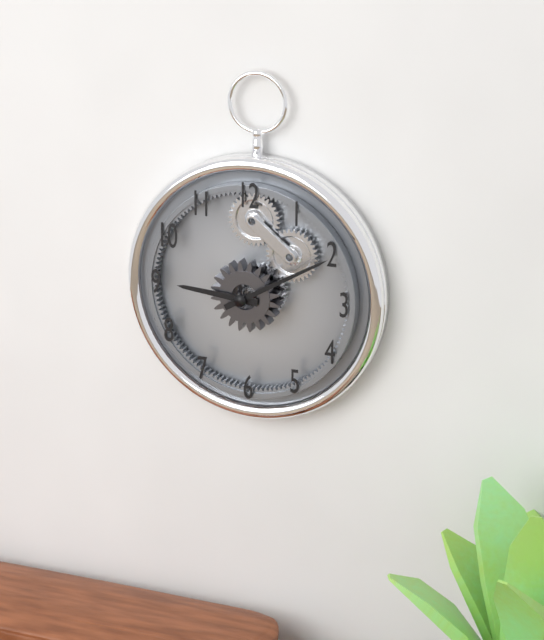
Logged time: 9 h 10 min
